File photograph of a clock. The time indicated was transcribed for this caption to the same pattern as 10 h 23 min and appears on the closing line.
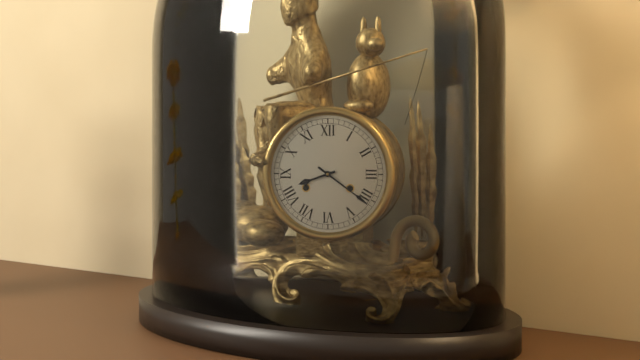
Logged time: 8 h 21 min
